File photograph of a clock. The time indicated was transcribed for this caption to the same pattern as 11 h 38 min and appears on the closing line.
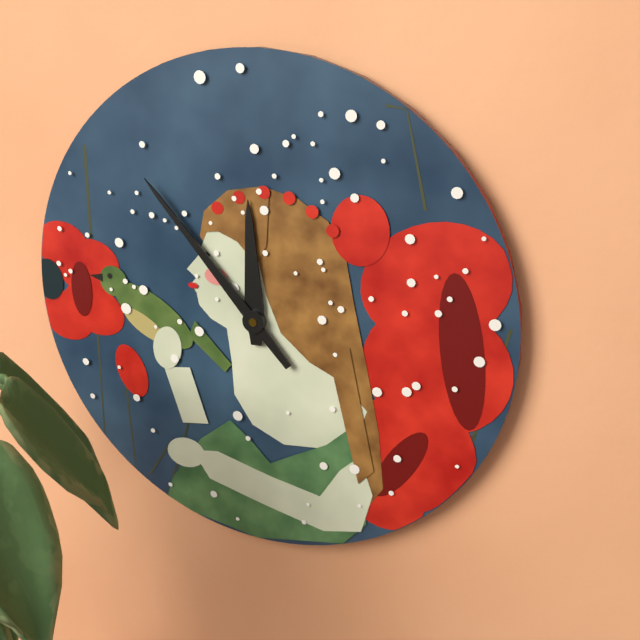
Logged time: 11 h 53 min
